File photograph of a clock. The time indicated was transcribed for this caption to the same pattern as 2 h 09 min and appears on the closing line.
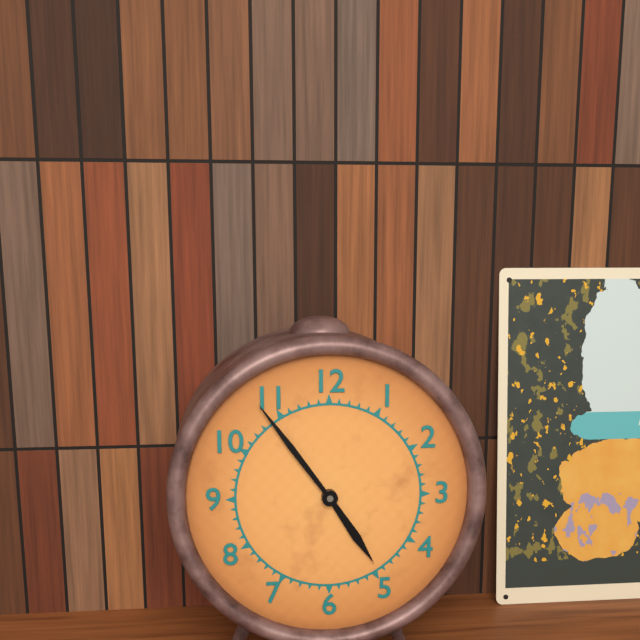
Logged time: 4 h 54 min
